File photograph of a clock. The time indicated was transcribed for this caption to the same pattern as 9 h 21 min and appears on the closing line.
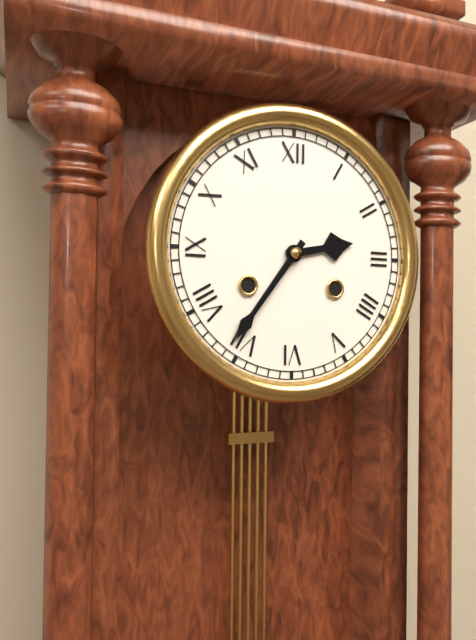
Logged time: 2 h 36 min
